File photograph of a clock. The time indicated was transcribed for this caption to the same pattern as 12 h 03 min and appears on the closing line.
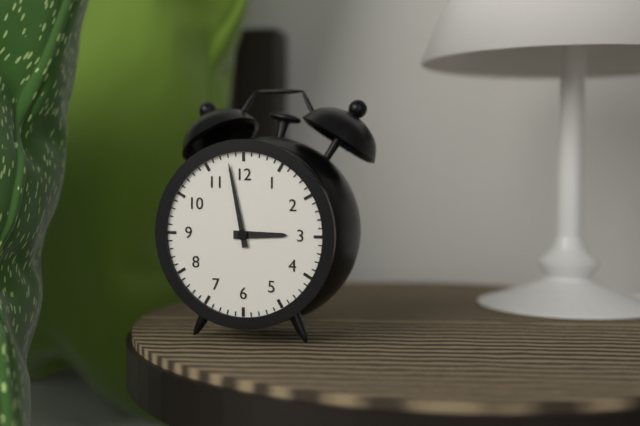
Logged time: 2 h 58 min
